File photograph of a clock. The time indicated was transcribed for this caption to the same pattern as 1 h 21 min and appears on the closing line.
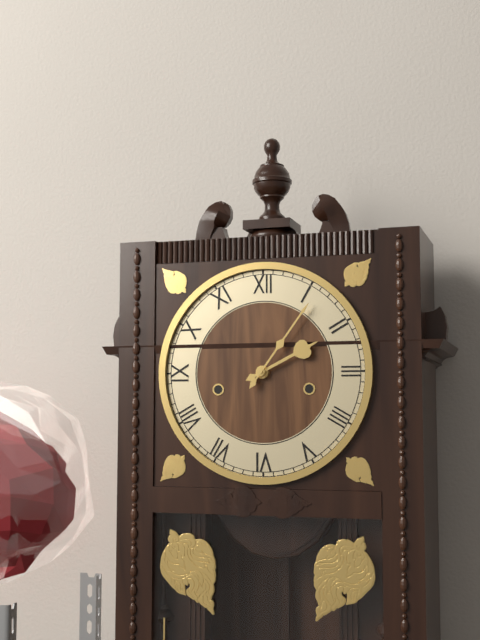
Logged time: 2 h 06 min
